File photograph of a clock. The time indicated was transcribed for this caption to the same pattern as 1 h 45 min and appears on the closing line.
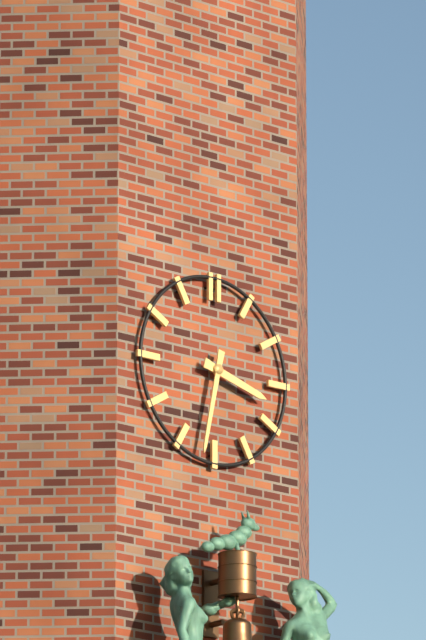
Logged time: 3 h 32 min
